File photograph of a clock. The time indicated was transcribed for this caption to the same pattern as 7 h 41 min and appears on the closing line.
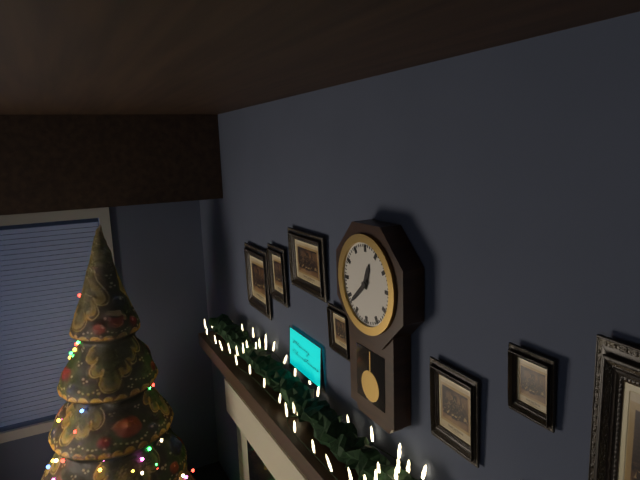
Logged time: 12 h 38 min
